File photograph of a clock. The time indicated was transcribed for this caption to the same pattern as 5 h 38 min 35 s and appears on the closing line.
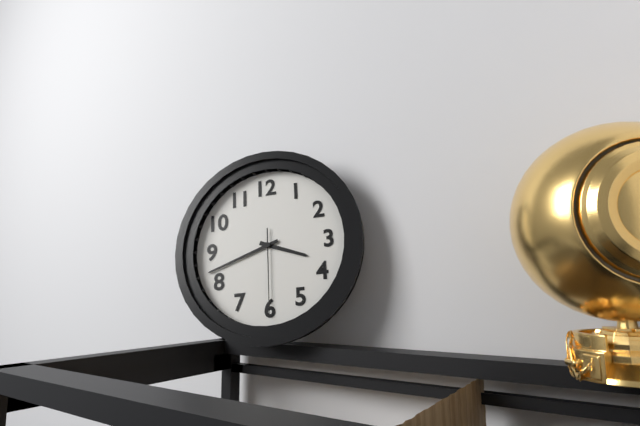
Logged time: 3 h 42 min 30 s
